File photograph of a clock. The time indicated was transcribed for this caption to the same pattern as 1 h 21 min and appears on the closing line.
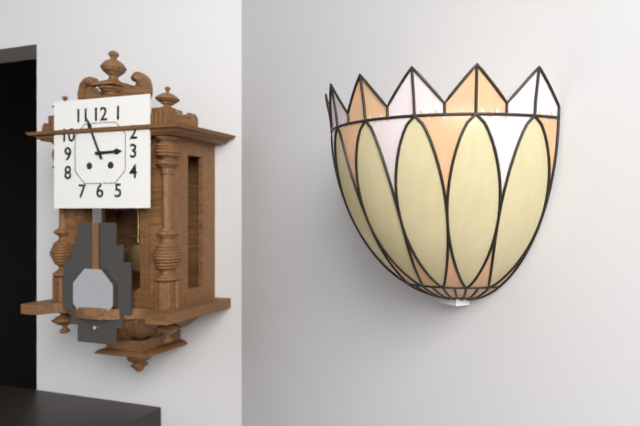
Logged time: 2 h 56 min
